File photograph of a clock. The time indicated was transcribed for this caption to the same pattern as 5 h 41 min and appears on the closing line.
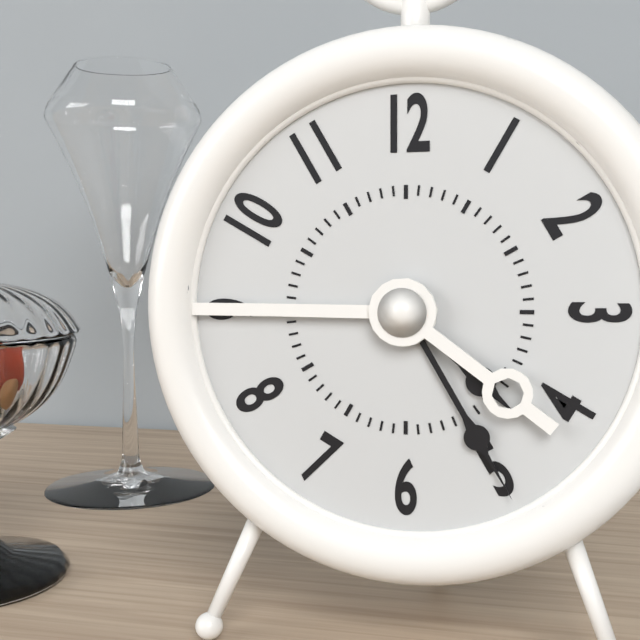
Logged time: 4 h 25 min
